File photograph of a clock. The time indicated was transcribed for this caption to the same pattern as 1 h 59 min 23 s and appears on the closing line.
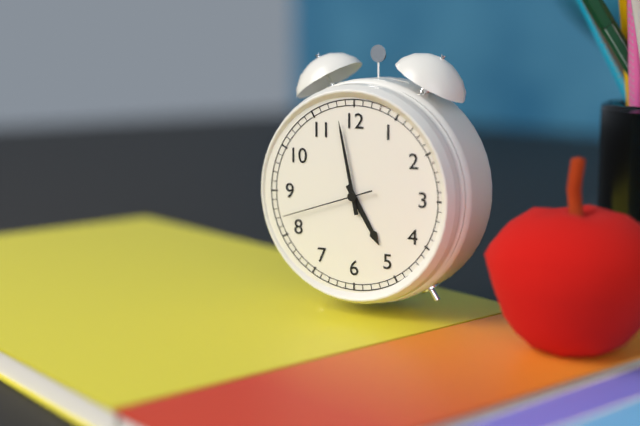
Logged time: 4 h 58 min 42 s
